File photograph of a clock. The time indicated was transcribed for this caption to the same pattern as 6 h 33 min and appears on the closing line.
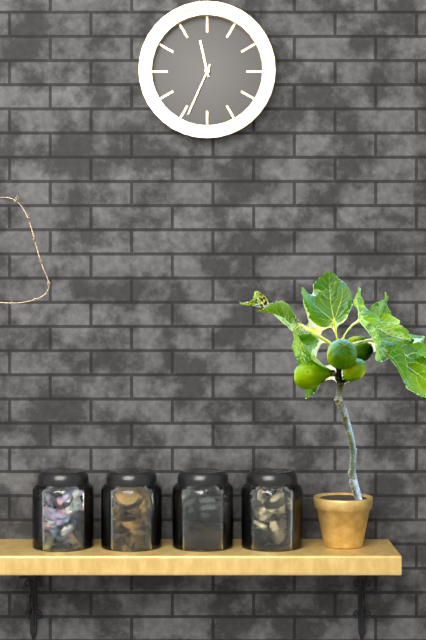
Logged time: 11 h 34 min
